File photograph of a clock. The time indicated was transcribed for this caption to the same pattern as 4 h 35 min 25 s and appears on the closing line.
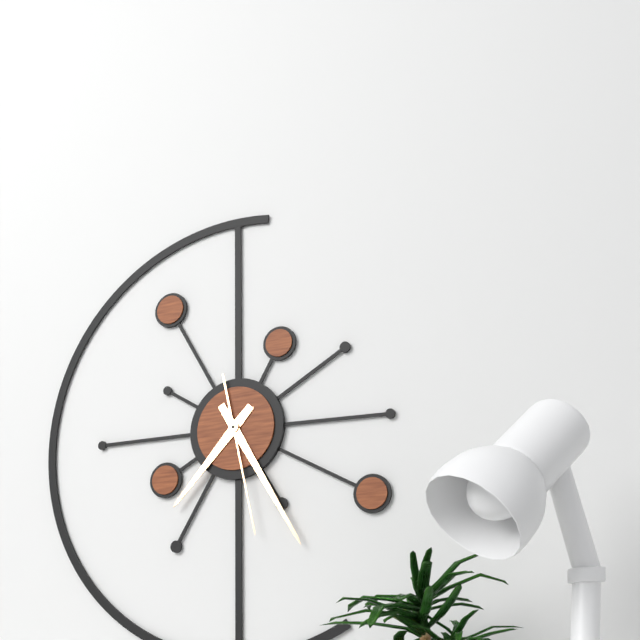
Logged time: 7 h 25 min 28 s
